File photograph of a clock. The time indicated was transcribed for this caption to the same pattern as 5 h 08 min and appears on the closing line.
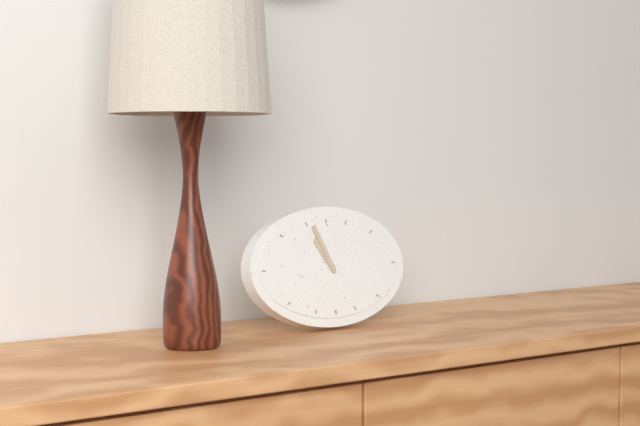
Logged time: 10 h 56 min
